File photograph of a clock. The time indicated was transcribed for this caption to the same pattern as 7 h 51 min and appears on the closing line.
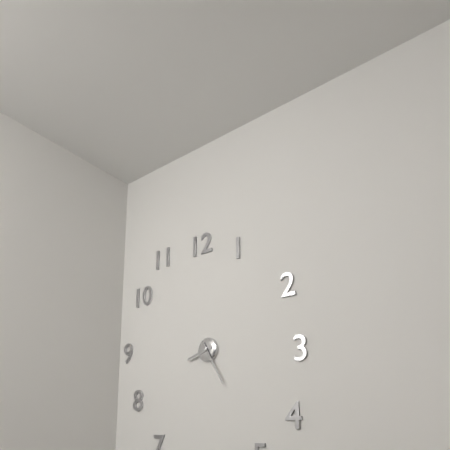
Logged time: 8 h 25 min
